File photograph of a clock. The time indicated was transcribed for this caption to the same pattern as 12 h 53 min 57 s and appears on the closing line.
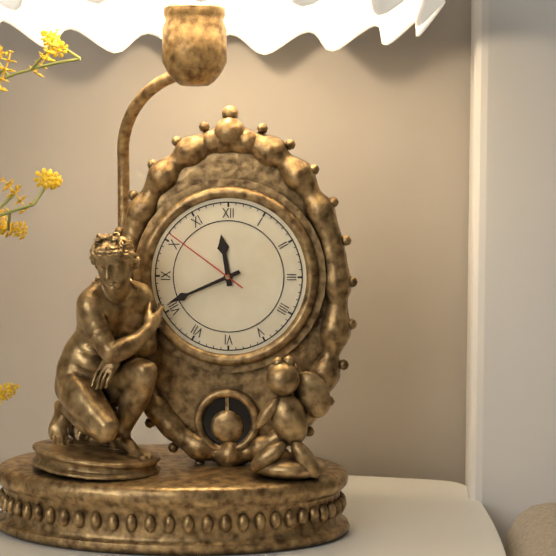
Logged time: 11 h 41 min 51 s
